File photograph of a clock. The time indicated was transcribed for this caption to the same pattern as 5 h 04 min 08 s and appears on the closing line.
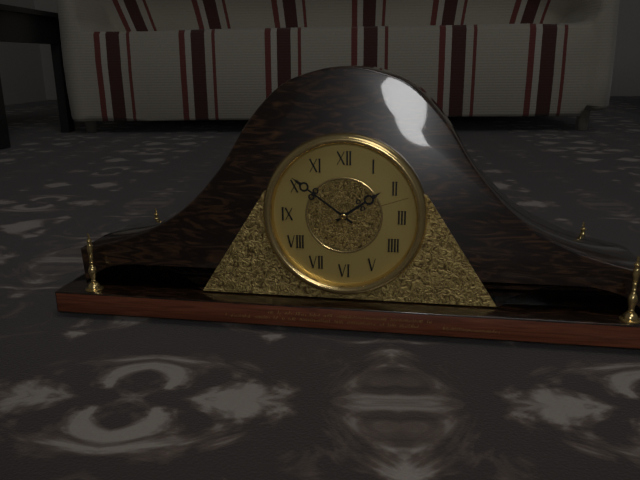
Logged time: 1 h 51 min 12 s
